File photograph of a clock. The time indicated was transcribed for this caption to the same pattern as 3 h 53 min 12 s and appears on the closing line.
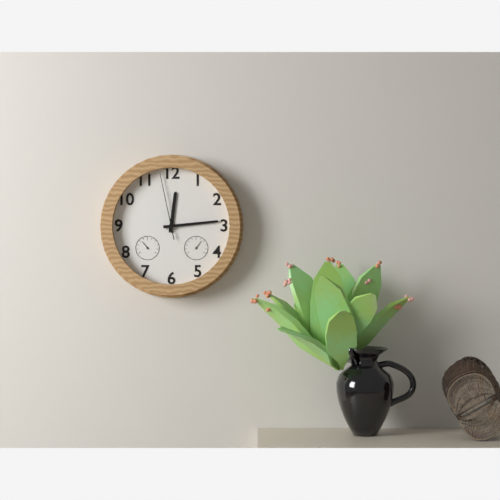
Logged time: 12 h 14 min 58 s
